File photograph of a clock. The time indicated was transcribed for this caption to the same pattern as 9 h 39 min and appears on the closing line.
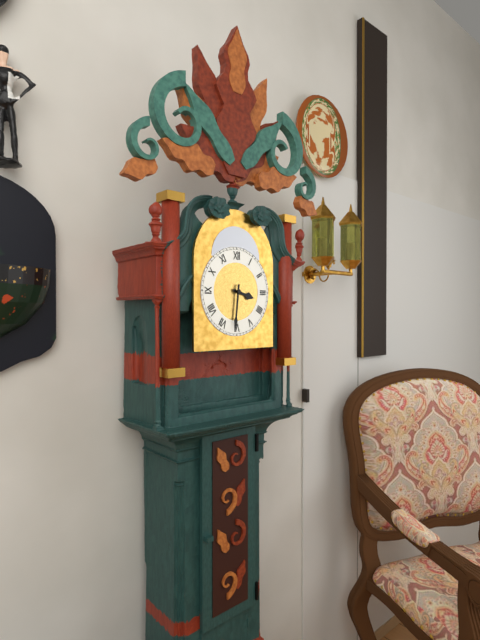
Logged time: 3 h 31 min
